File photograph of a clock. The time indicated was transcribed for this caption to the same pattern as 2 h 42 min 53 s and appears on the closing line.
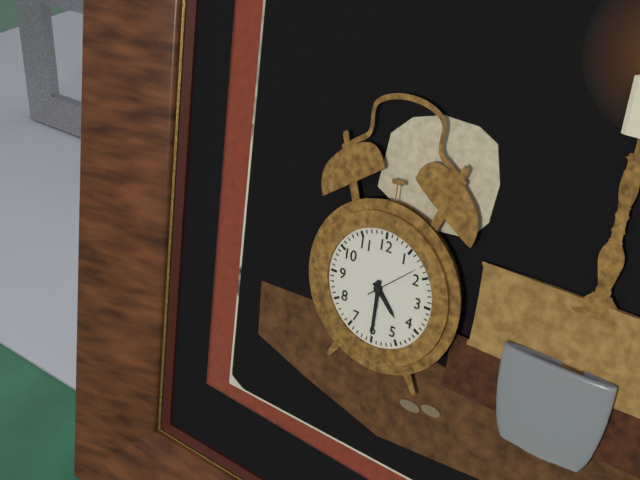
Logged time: 4 h 30 min 08 s
